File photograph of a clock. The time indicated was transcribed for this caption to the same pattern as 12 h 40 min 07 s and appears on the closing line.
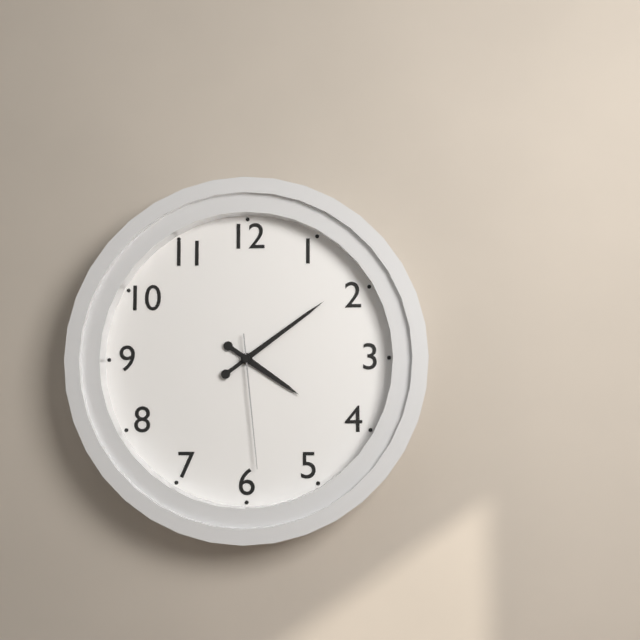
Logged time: 4 h 09 min 29 s
